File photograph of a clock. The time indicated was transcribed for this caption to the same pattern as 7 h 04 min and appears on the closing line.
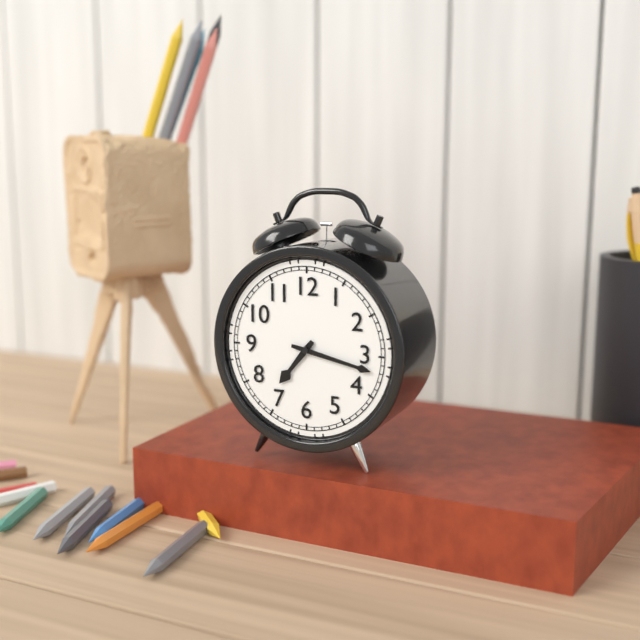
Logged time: 7 h 17 min
